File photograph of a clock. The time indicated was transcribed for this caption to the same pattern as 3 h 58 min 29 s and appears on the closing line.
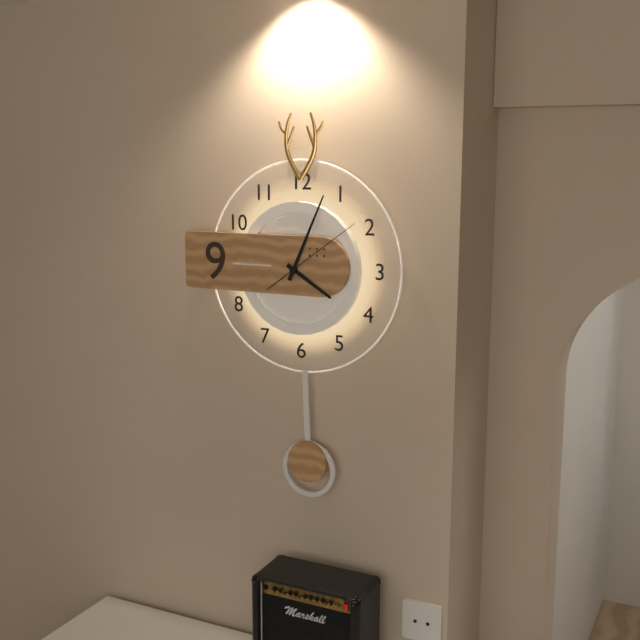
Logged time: 4 h 04 min 09 s
